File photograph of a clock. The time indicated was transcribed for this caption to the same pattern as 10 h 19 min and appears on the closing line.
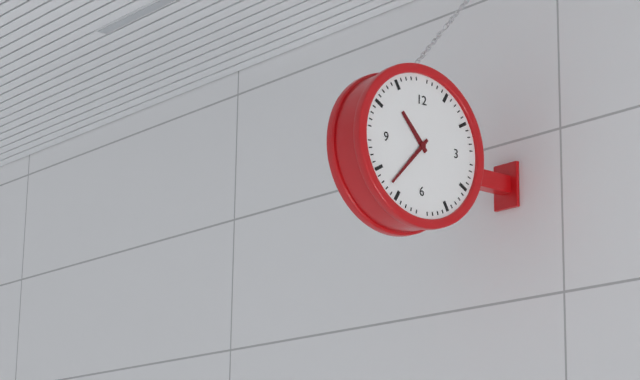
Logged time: 10 h 37 min
